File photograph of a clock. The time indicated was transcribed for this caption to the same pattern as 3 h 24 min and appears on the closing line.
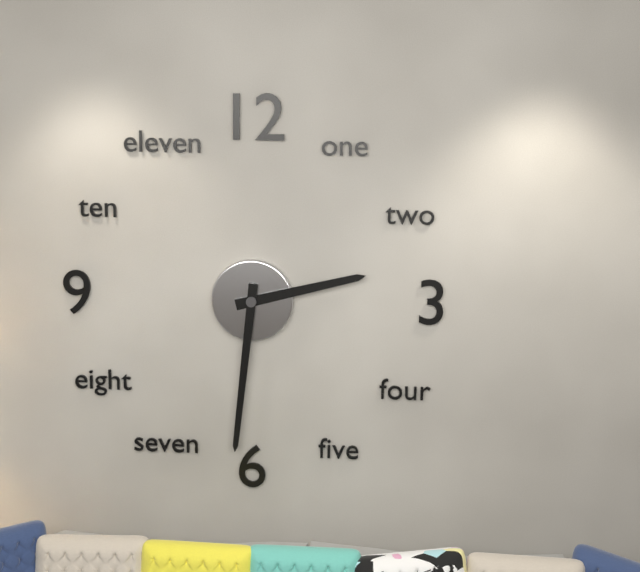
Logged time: 2 h 31 min
